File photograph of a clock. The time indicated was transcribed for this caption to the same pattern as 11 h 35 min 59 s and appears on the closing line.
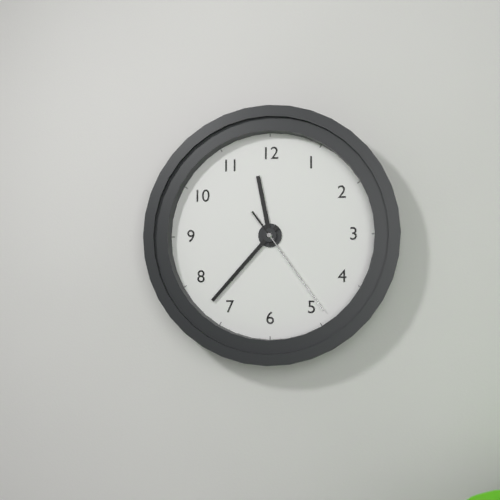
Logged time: 11 h 37 min 24 s
